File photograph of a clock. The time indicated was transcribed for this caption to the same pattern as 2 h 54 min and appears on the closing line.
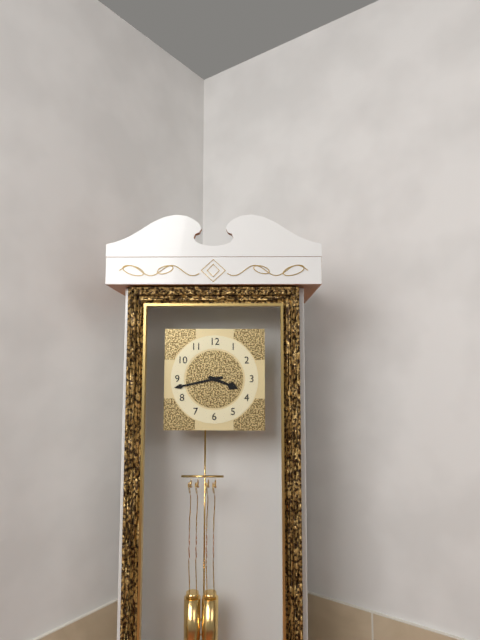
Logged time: 3 h 43 min
